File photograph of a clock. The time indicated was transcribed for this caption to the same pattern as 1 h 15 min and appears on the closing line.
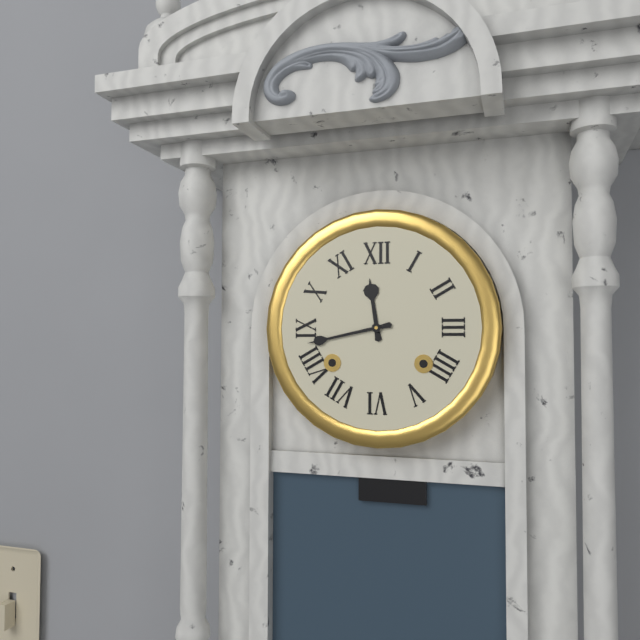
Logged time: 11 h 43 min
